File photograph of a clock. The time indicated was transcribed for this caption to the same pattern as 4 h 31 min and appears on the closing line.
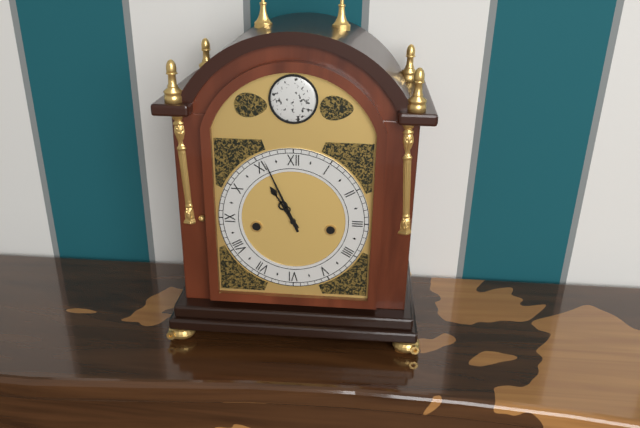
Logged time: 10 h 56 min
